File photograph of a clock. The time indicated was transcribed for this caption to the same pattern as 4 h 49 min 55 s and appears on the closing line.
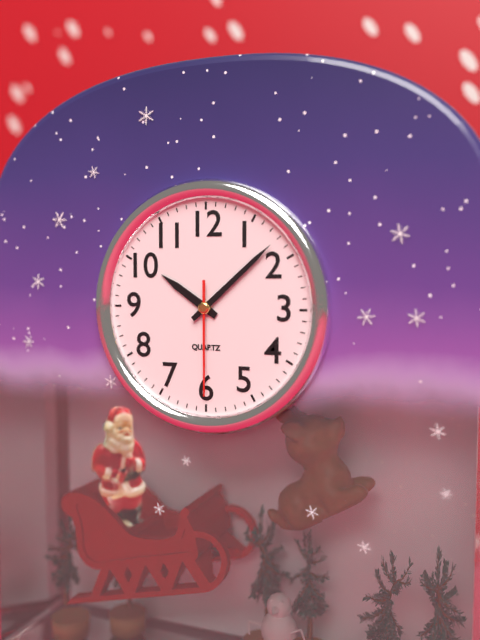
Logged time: 10 h 08 min 30 s
